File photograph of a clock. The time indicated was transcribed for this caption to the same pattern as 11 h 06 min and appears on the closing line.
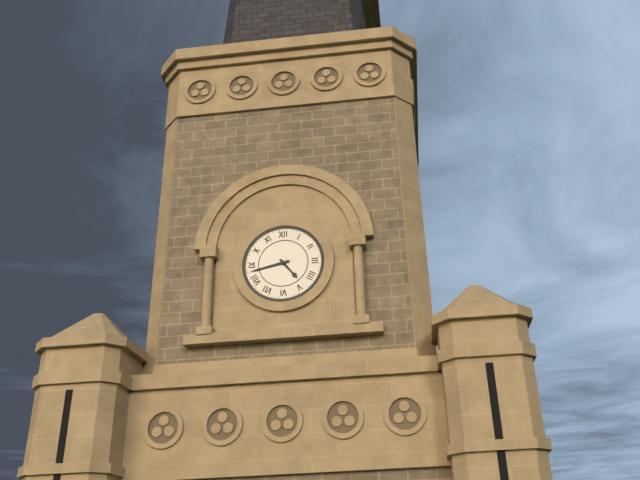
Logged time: 4 h 43 min
